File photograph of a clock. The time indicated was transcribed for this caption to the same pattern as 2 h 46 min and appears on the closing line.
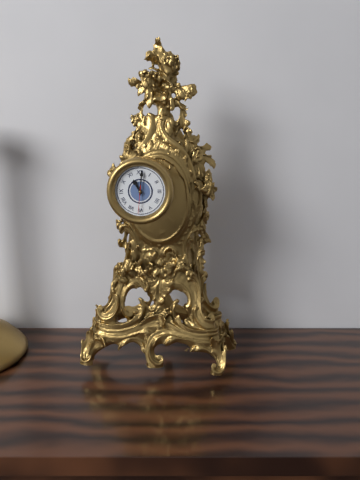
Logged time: 11 h 01 min
